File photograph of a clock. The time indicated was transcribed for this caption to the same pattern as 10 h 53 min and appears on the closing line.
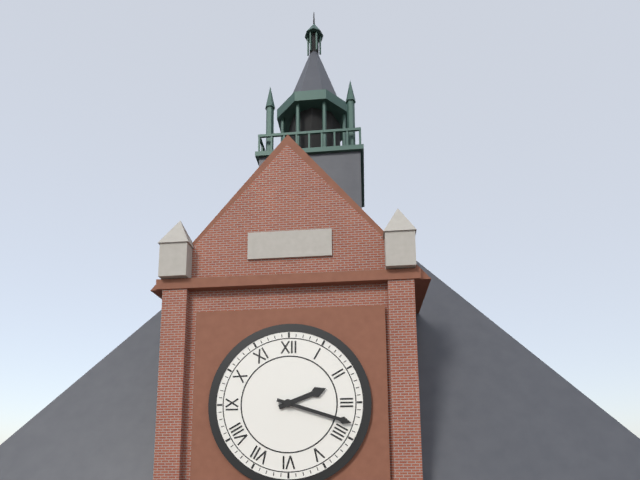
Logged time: 2 h 18 min
